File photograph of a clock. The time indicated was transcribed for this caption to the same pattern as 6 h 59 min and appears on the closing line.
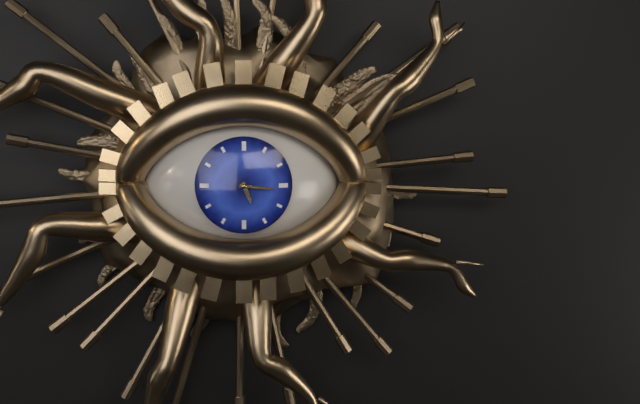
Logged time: 5 h 16 min
